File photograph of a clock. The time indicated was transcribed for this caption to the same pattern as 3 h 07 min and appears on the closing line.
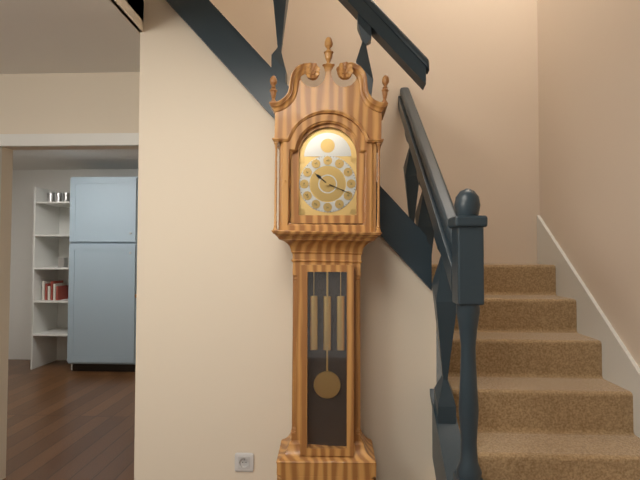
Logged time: 10 h 19 min
